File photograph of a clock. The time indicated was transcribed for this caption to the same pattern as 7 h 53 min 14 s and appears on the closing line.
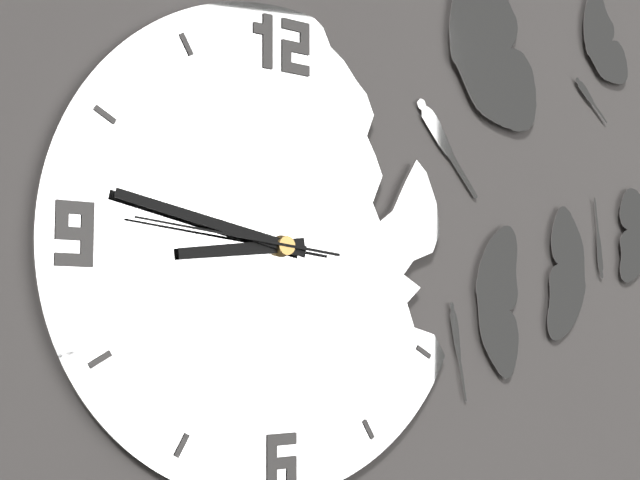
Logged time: 8 h 47 min 46 s
